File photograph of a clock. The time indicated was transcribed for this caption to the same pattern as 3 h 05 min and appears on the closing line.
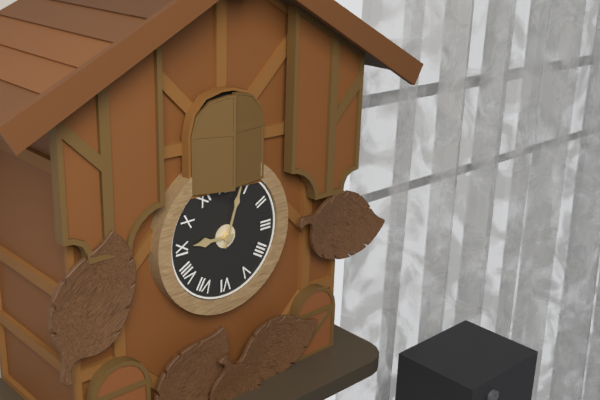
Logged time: 9 h 03 min
